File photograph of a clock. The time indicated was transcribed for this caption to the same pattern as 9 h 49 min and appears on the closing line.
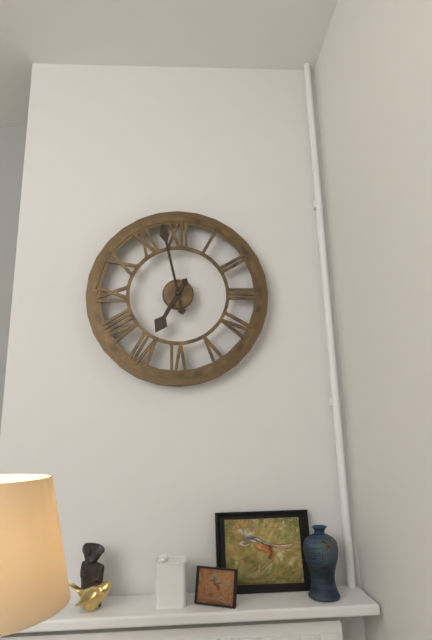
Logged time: 6 h 58 min
